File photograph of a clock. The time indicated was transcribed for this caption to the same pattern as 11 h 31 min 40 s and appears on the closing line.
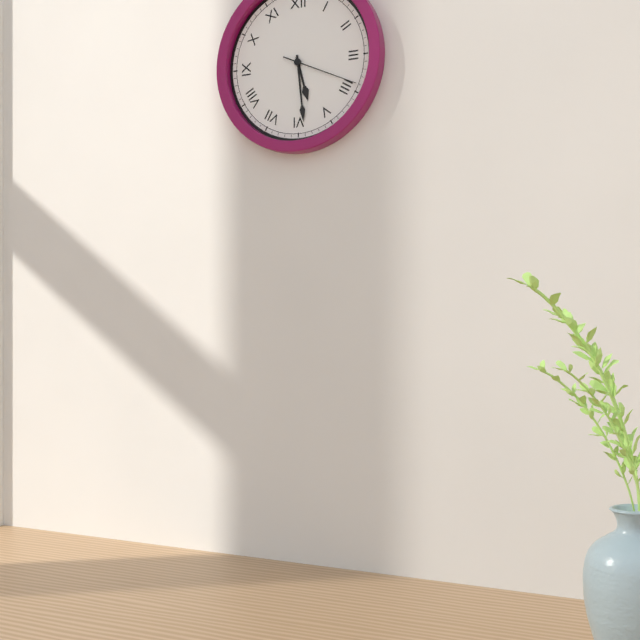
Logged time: 5 h 29 min 19 s
